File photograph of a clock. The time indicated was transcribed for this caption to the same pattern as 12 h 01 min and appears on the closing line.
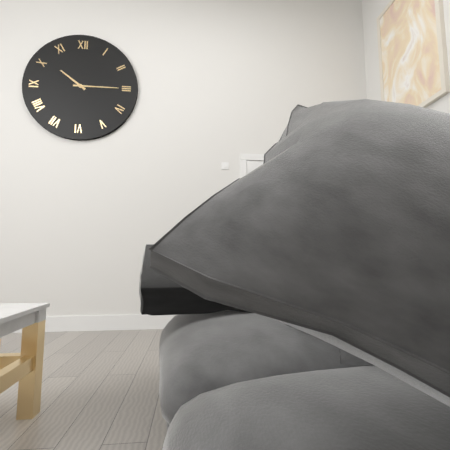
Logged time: 10 h 15 min
